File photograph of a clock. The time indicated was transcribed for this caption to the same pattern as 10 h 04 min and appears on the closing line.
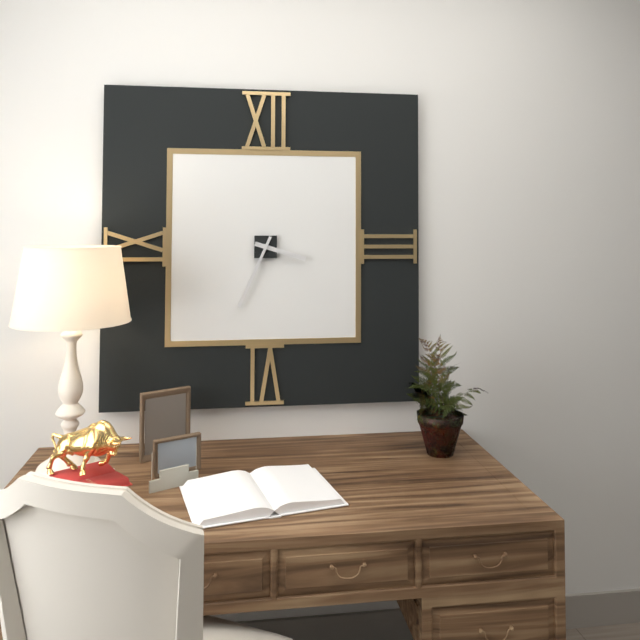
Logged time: 3 h 34 min
